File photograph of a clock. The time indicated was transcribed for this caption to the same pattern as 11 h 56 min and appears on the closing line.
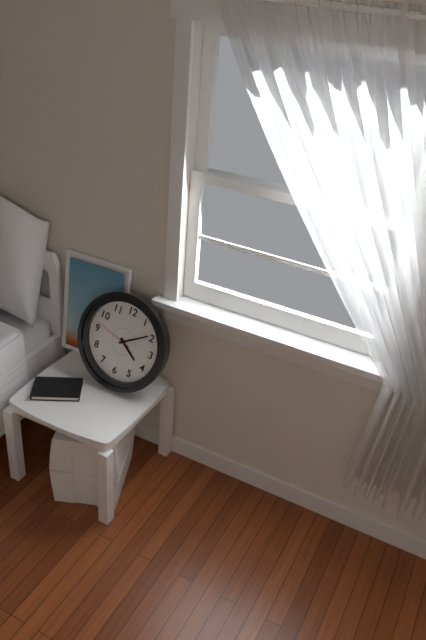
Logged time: 4 h 09 min
